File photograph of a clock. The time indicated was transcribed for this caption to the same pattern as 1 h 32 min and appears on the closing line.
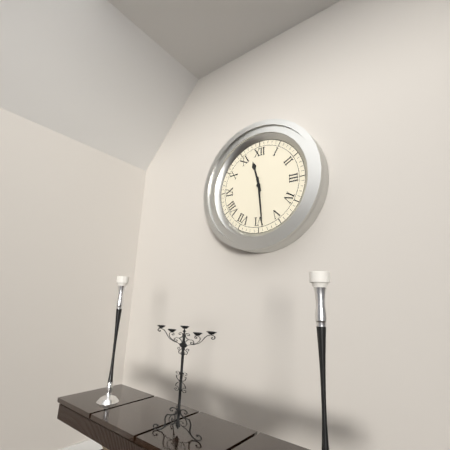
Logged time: 11 h 29 min
